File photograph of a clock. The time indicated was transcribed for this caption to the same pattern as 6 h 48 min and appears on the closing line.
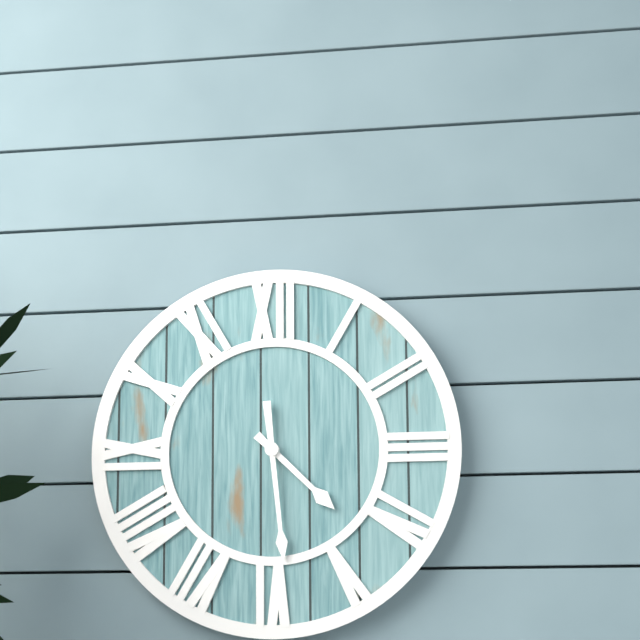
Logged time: 4 h 29 min
